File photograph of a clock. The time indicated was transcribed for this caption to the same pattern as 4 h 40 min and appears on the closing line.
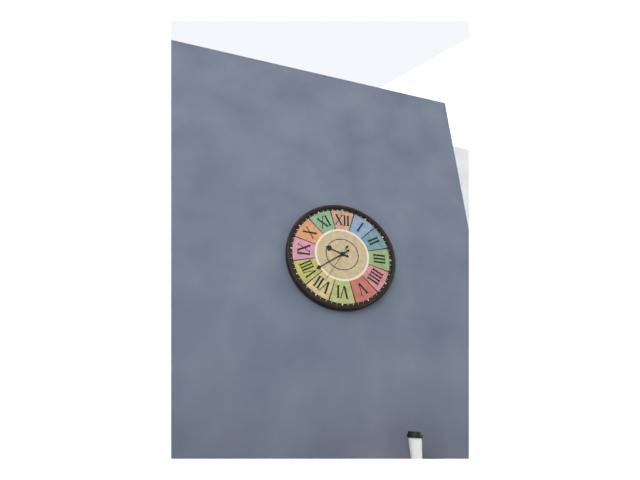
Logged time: 9 h 39 min
